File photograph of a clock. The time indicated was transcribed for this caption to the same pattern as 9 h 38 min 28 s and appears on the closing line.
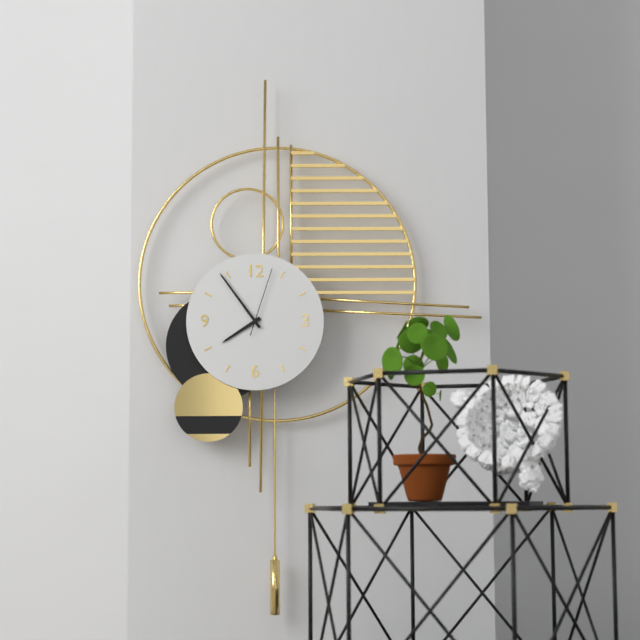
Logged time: 7 h 54 min 03 s
